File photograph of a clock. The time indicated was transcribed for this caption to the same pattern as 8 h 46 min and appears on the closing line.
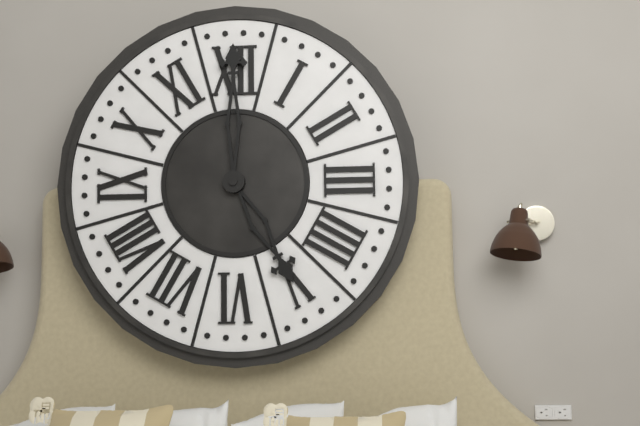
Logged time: 5 h 00 min
